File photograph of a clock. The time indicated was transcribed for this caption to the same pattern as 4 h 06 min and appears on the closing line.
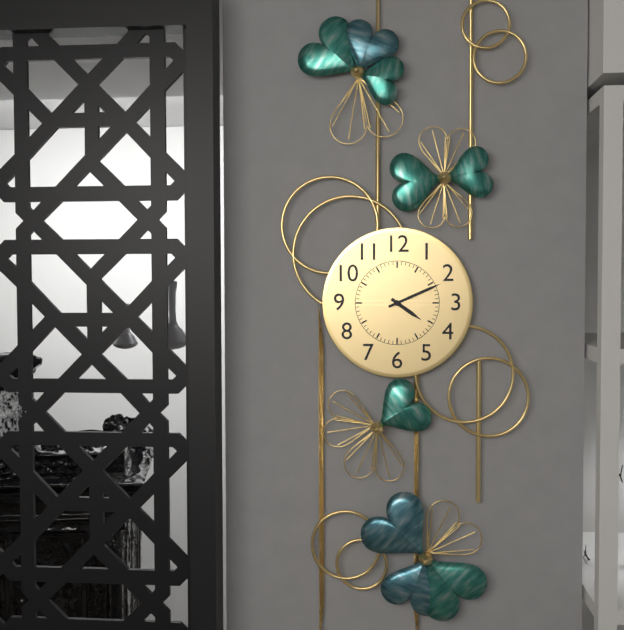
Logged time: 4 h 11 min
